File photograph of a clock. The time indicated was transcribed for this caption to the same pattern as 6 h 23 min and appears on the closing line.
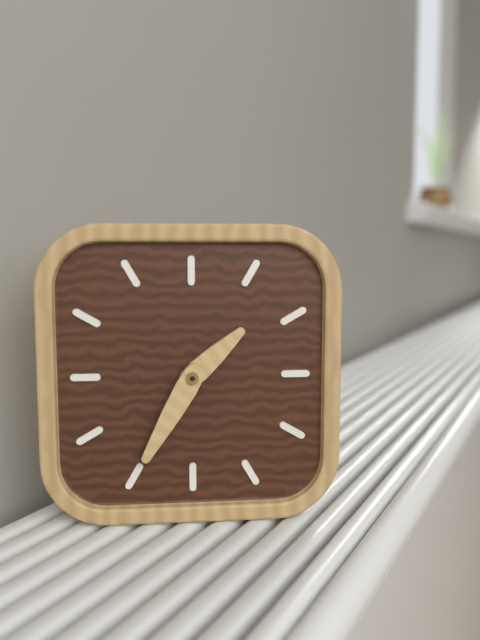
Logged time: 1 h 35 min
